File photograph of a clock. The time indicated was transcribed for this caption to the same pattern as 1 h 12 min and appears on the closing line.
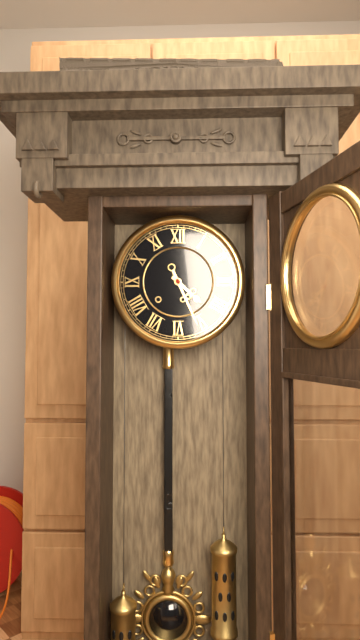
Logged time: 4 h 26 min
